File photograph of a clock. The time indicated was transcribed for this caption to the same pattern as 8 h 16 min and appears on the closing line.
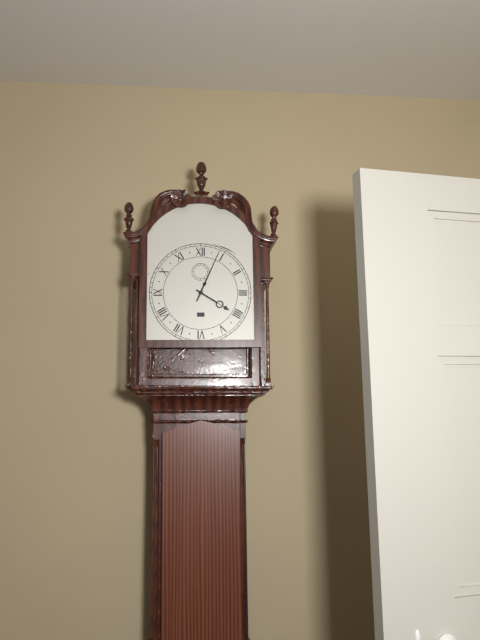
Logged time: 4 h 04 min
